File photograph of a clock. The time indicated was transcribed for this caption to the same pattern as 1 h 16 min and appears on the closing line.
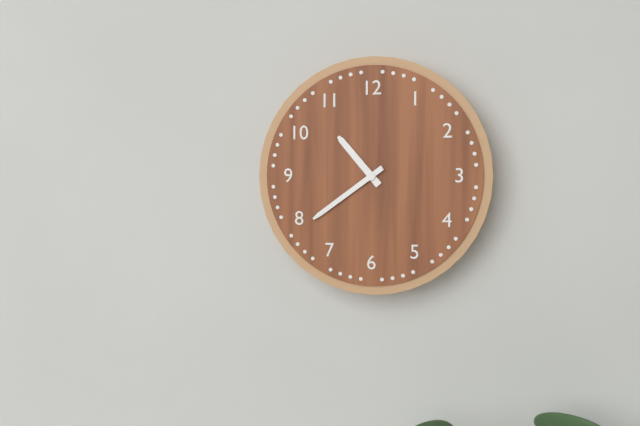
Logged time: 10 h 39 min
